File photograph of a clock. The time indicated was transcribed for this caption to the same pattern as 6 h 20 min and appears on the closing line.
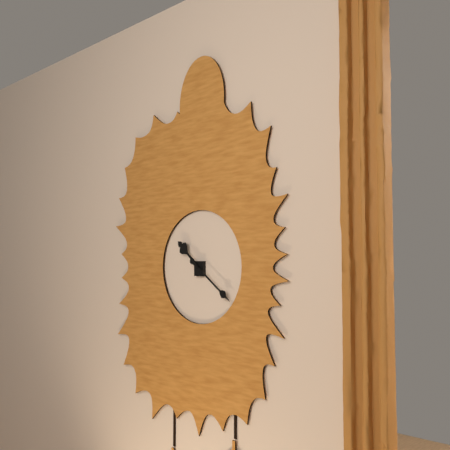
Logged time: 10 h 21 min
